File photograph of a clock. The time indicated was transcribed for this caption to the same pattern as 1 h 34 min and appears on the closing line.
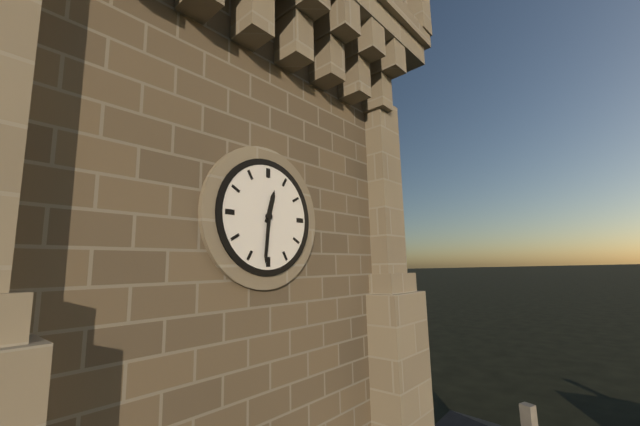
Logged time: 12 h 31 min
